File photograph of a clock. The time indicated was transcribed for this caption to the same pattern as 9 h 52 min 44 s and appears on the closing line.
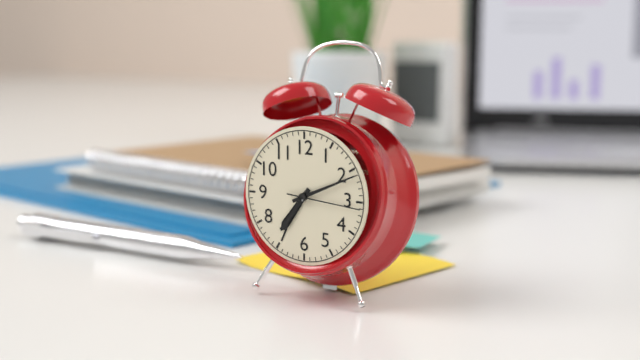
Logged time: 7 h 11 min 16 s
